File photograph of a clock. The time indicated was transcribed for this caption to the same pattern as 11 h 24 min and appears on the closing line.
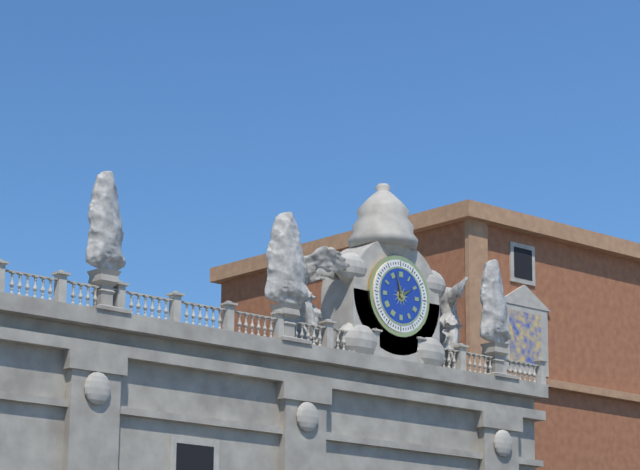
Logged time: 1 h 57 min
